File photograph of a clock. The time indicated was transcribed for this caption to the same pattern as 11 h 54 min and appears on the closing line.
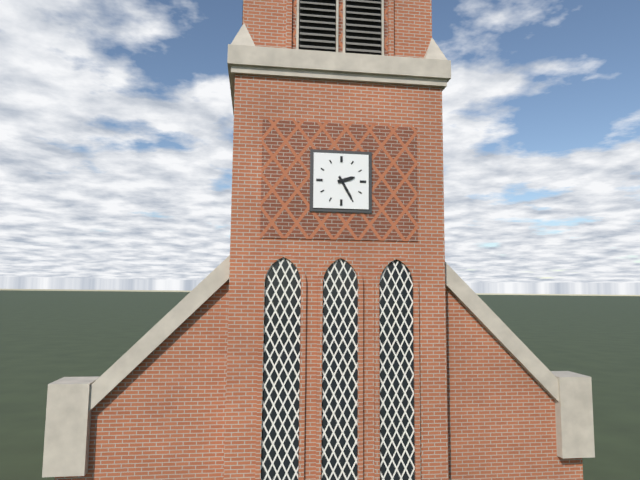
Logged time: 2 h 25 min
